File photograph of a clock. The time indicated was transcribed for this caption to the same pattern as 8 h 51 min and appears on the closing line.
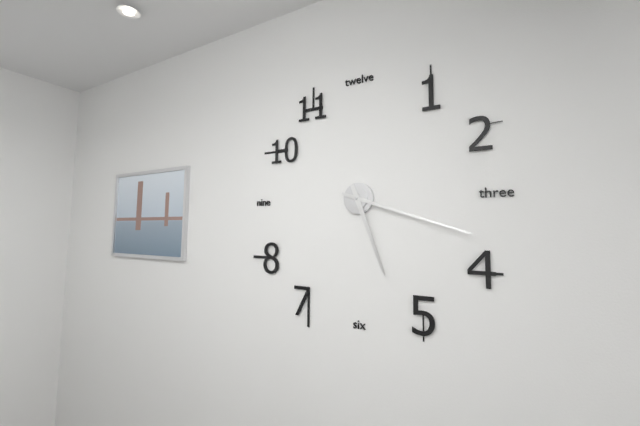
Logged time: 5 h 18 min
